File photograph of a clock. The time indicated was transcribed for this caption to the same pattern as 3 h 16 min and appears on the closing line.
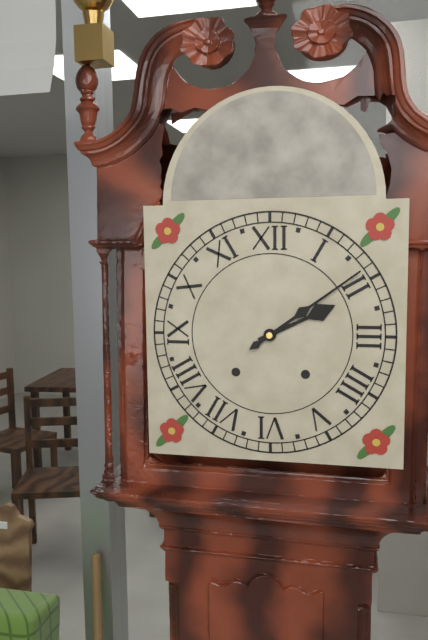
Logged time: 2 h 09 min
